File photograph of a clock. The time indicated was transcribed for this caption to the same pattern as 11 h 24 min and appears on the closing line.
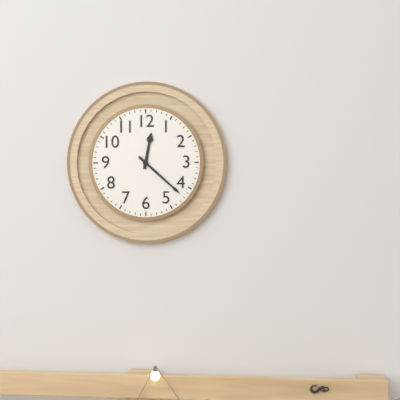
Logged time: 12 h 22 min
